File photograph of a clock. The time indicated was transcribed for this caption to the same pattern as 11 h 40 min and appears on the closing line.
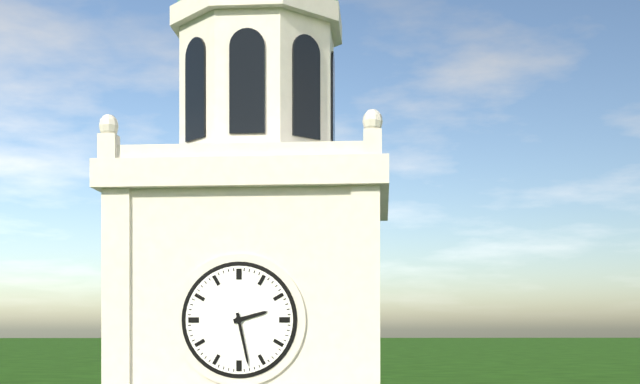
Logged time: 2 h 28 min
